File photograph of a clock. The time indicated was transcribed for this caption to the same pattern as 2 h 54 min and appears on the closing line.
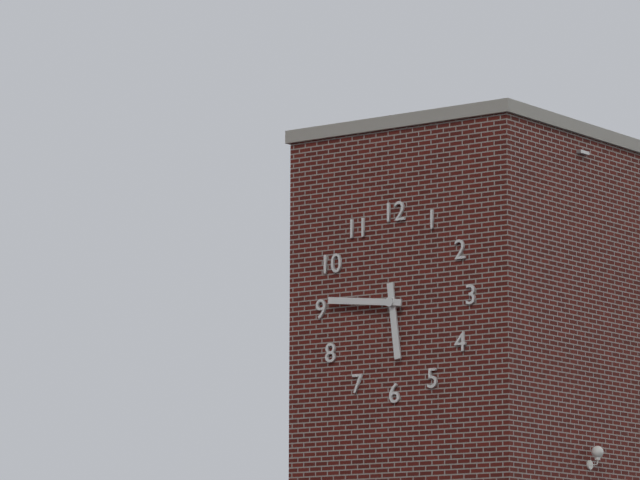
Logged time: 5 h 46 min
